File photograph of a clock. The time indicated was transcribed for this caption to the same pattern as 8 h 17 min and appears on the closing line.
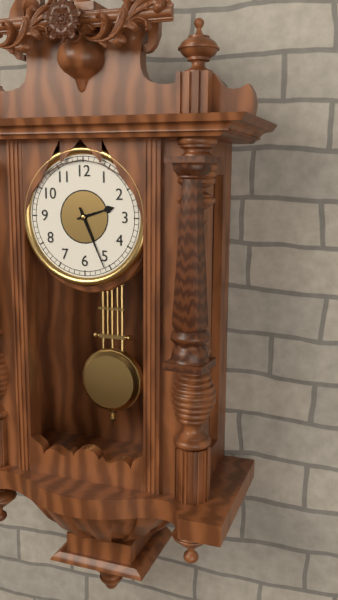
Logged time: 2 h 26 min
